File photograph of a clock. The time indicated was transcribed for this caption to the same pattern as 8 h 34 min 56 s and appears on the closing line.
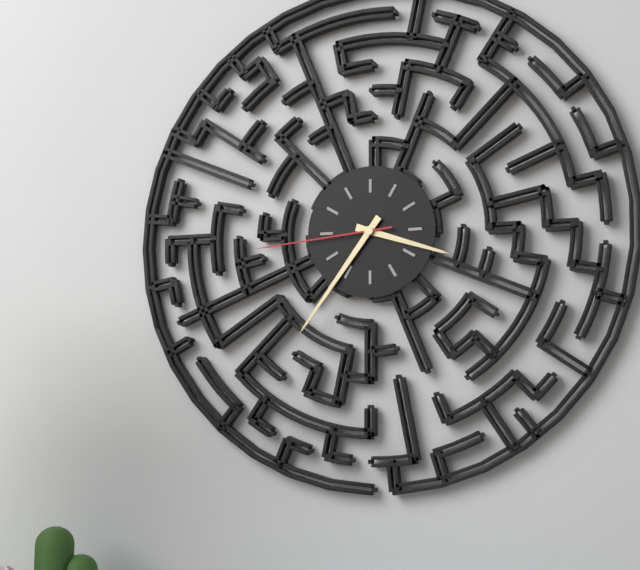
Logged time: 3 h 36 min 44 s
